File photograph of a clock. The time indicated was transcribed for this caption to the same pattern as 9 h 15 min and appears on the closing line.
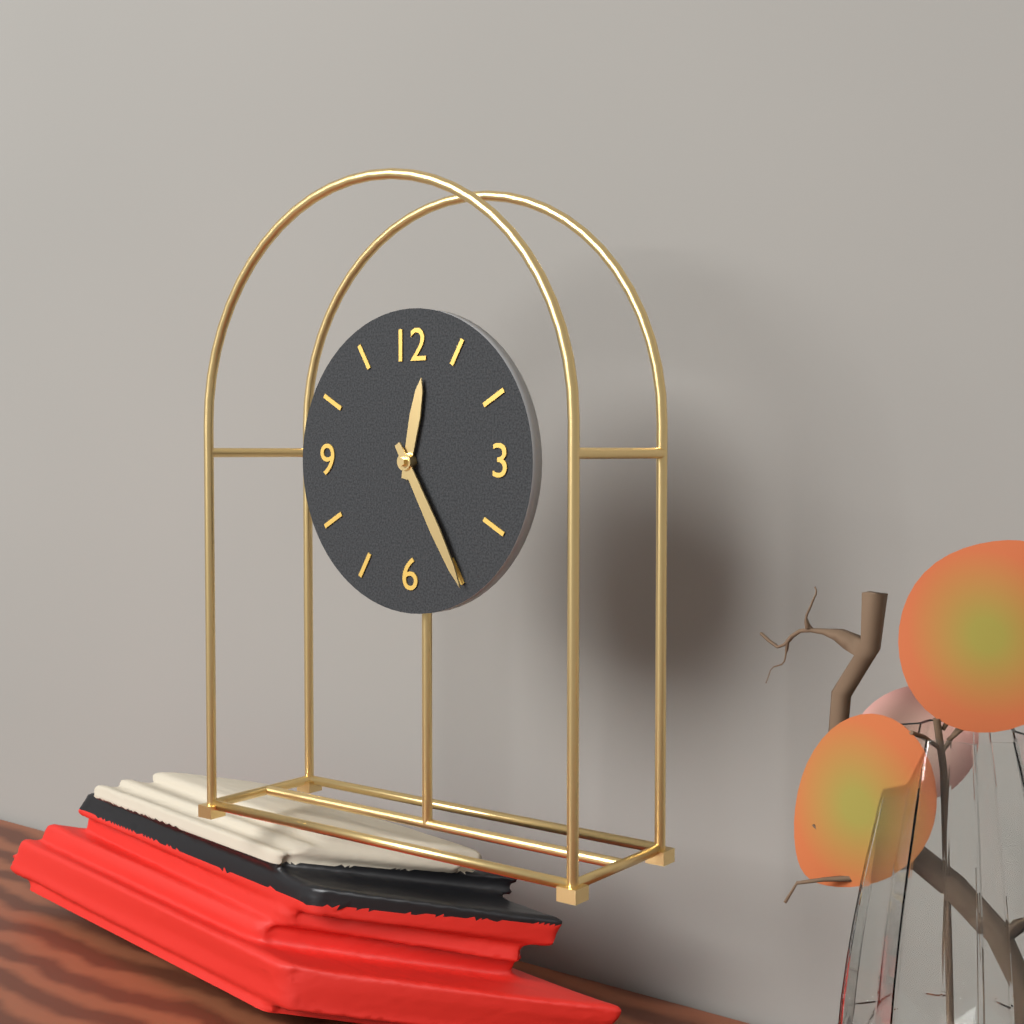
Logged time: 12 h 25 min
